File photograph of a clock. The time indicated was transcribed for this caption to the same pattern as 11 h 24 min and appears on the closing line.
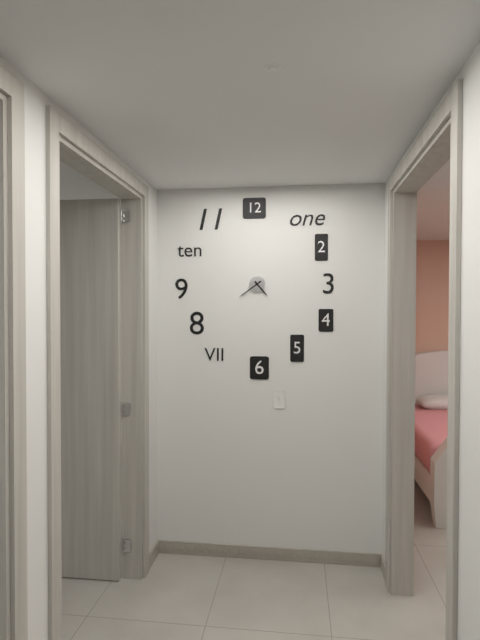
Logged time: 4 h 39 min
